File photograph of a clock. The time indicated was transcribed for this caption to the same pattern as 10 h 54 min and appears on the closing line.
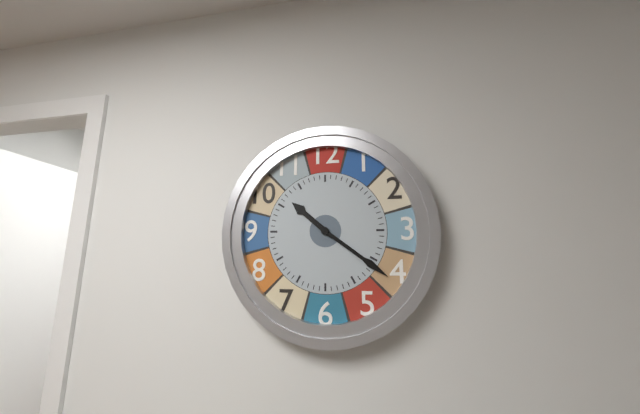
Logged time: 10 h 21 min
